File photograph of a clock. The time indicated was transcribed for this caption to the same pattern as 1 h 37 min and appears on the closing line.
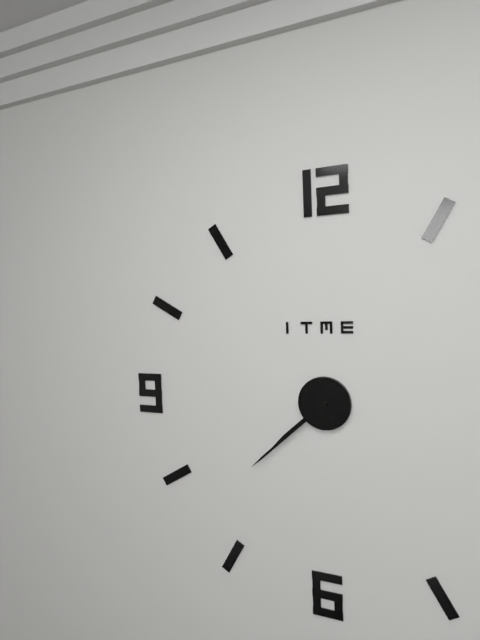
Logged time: 7 h 38 min
